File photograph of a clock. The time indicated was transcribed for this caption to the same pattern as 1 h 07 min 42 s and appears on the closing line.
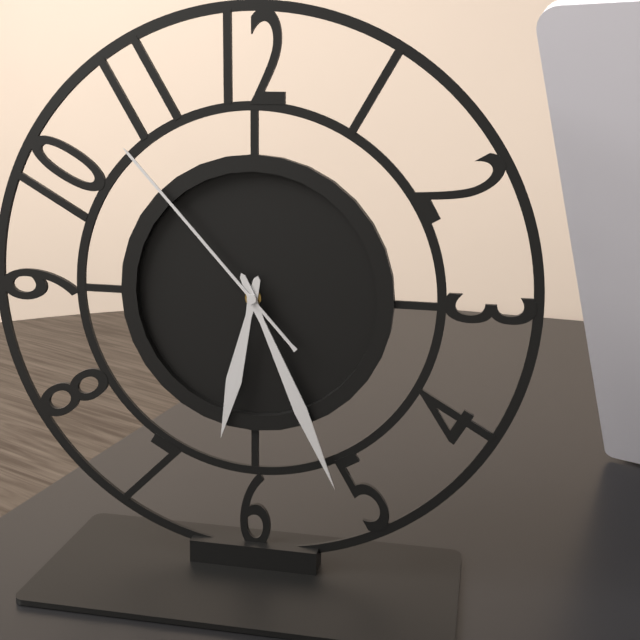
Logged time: 6 h 26 min 53 s
